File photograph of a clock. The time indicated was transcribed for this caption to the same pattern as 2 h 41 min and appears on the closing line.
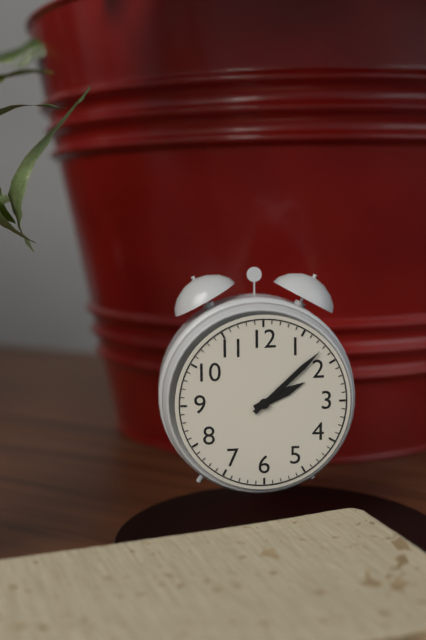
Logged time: 2 h 08 min
